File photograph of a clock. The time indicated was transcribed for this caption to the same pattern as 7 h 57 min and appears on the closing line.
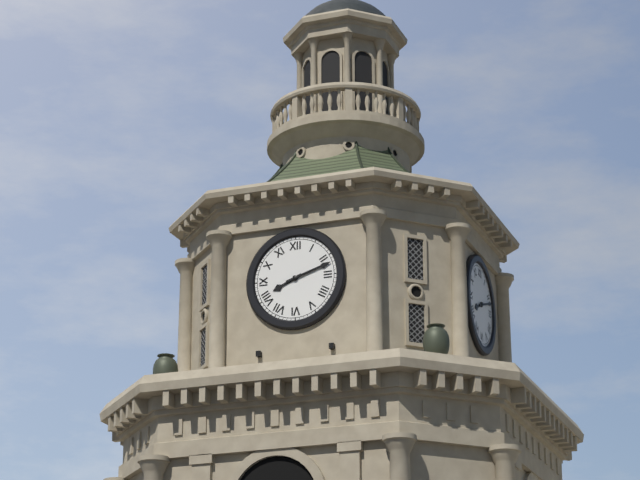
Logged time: 8 h 12 min
